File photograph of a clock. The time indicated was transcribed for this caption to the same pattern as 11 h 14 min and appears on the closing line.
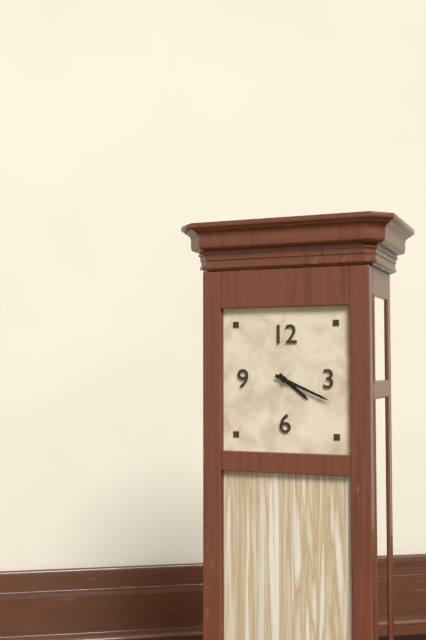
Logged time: 4 h 19 min
